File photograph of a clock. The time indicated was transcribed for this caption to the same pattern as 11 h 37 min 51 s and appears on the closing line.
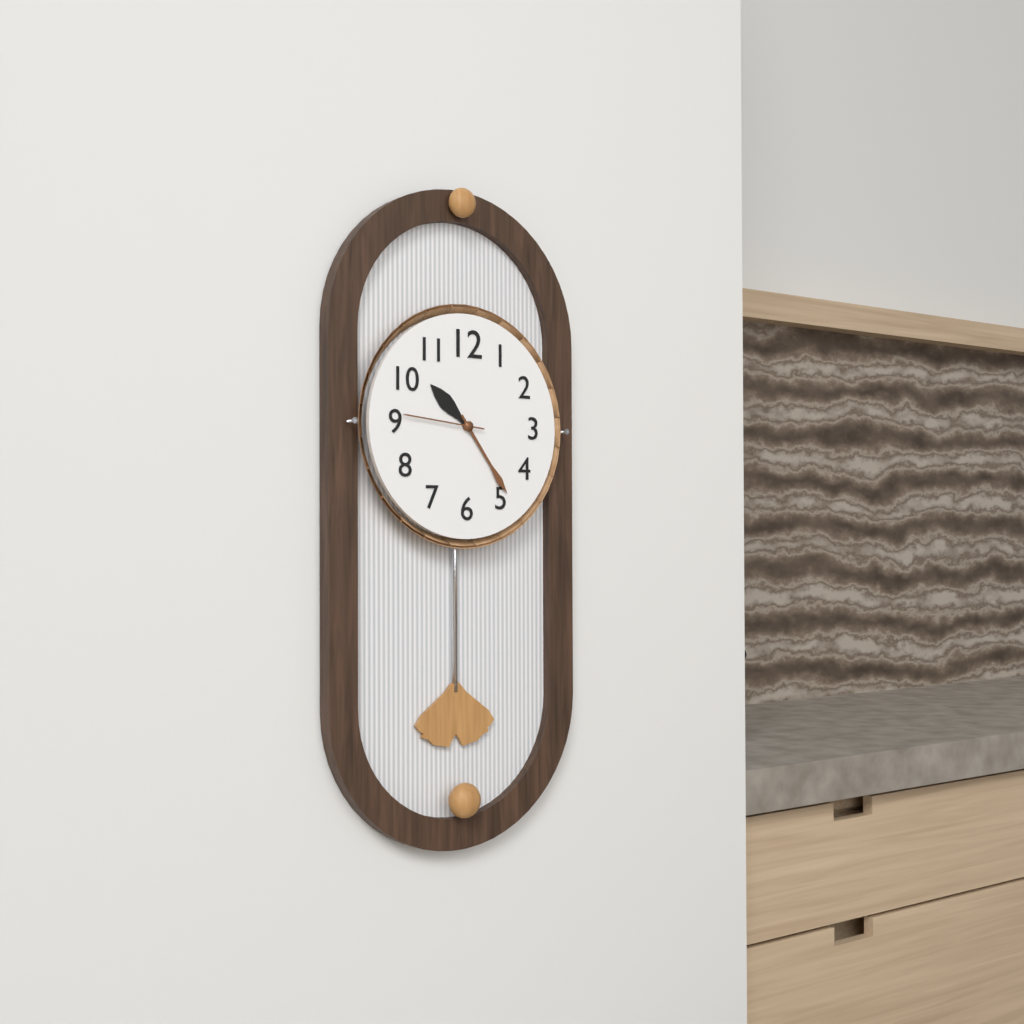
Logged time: 10 h 24 min 46 s
